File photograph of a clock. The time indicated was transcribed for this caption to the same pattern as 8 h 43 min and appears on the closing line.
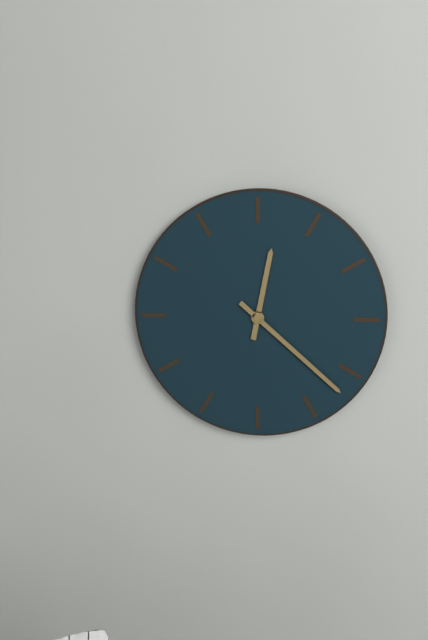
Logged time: 12 h 22 min
